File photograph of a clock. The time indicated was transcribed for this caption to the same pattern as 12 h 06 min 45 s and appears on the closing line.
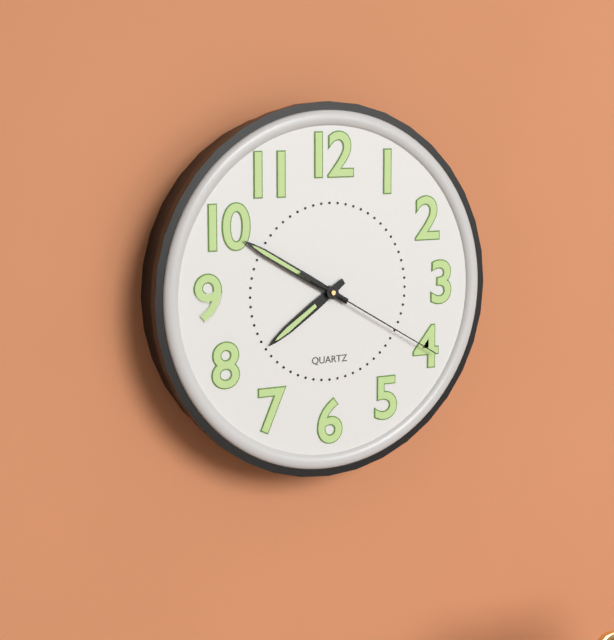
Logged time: 7 h 50 min 20 s
